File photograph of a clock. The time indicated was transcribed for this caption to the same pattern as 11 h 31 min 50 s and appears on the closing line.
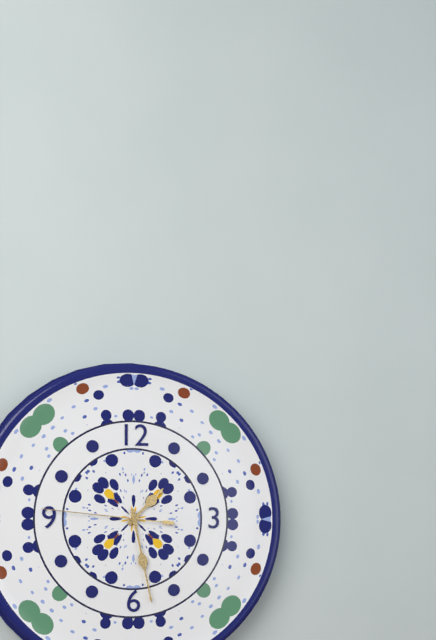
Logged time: 1 h 28 min 46 s
